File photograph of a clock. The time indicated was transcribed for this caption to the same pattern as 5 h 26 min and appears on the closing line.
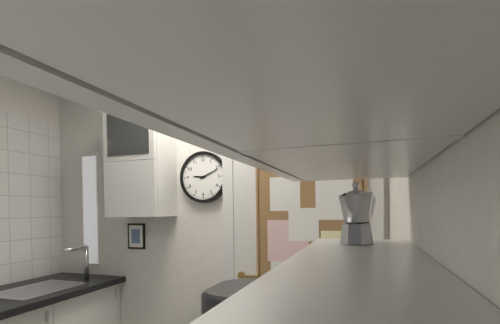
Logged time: 9 h 11 min
